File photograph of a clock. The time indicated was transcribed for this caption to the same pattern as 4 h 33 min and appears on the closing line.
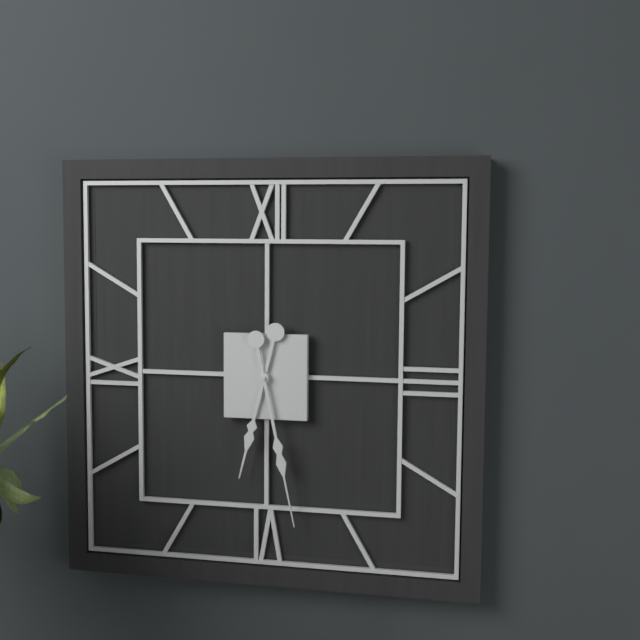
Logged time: 6 h 28 min
